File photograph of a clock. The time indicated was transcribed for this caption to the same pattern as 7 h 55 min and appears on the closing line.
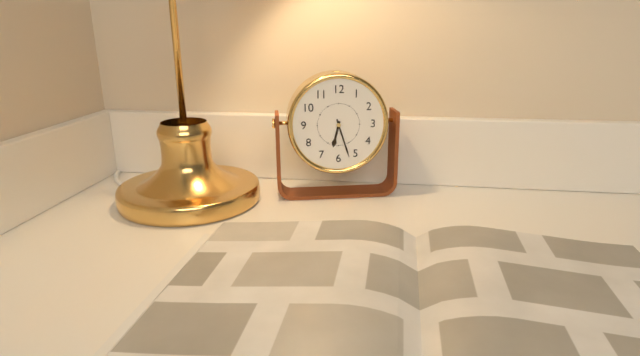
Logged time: 6 h 27 min
